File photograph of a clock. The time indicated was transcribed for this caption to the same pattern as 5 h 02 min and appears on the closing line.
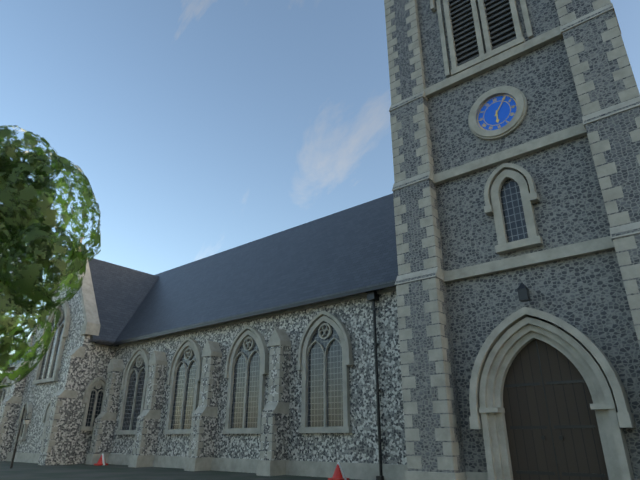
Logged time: 6 h 06 min
